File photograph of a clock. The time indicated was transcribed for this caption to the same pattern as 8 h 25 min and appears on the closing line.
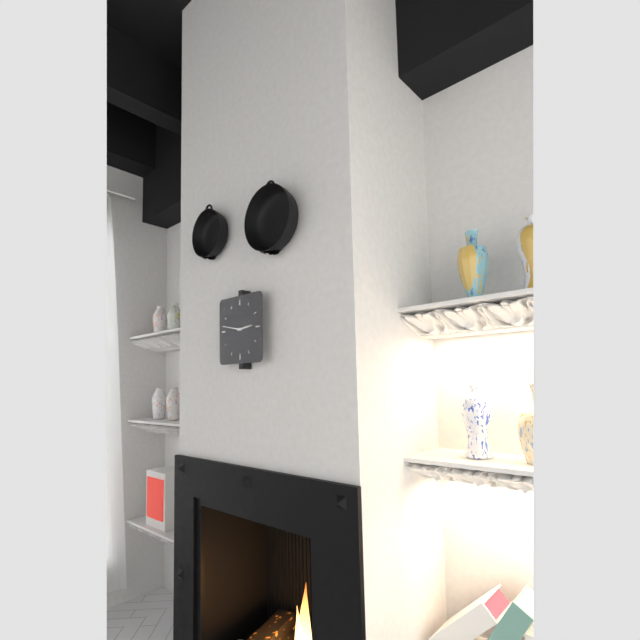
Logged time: 2 h 47 min
